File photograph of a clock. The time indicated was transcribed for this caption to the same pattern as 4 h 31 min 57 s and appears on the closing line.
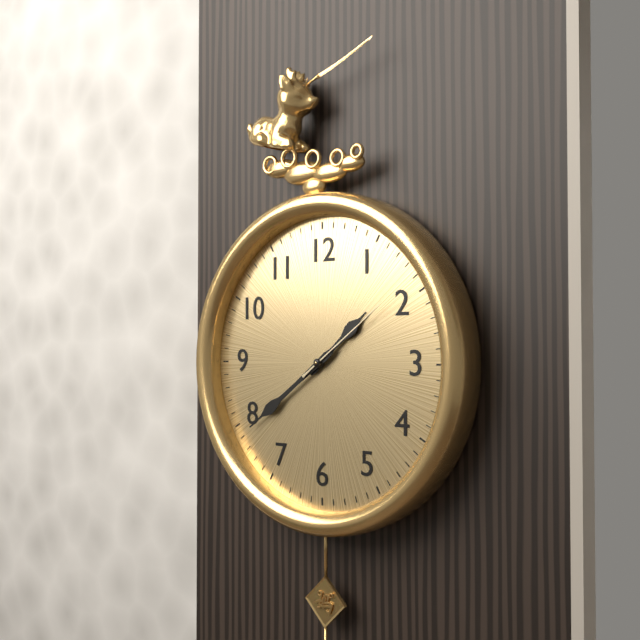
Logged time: 1 h 39 min 09 s
